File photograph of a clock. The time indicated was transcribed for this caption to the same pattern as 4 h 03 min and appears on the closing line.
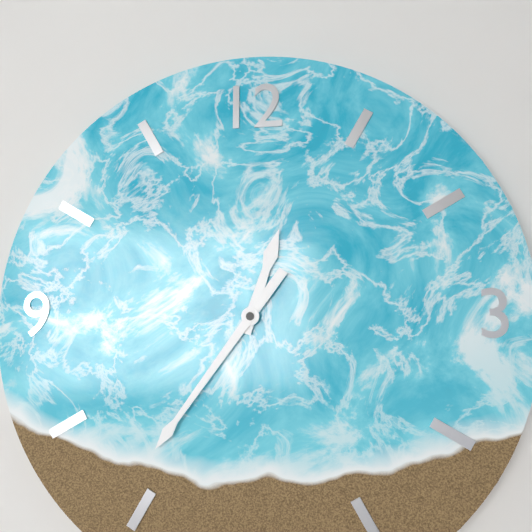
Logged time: 12 h 36 min
